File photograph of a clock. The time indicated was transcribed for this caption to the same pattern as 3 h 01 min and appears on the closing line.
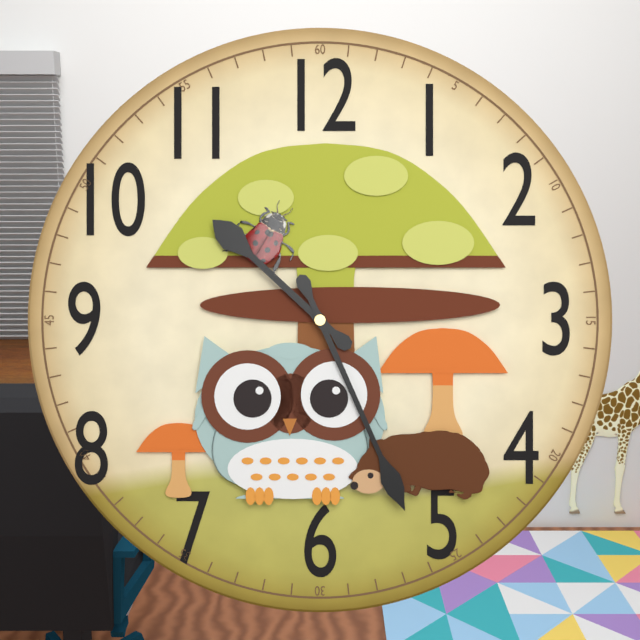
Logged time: 10 h 26 min
